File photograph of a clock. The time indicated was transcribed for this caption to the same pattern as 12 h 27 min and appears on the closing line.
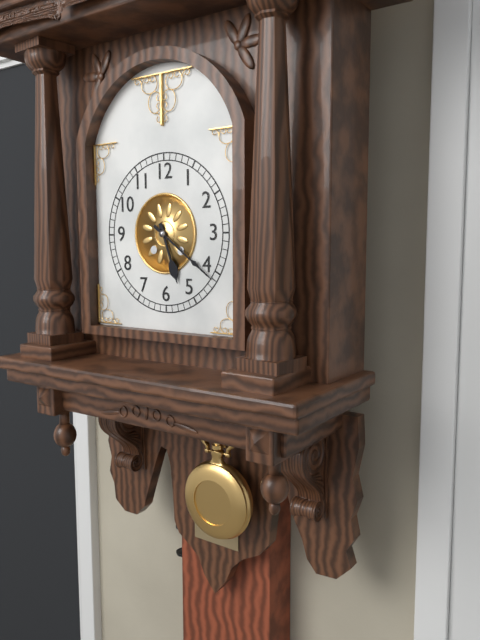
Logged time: 5 h 21 min
